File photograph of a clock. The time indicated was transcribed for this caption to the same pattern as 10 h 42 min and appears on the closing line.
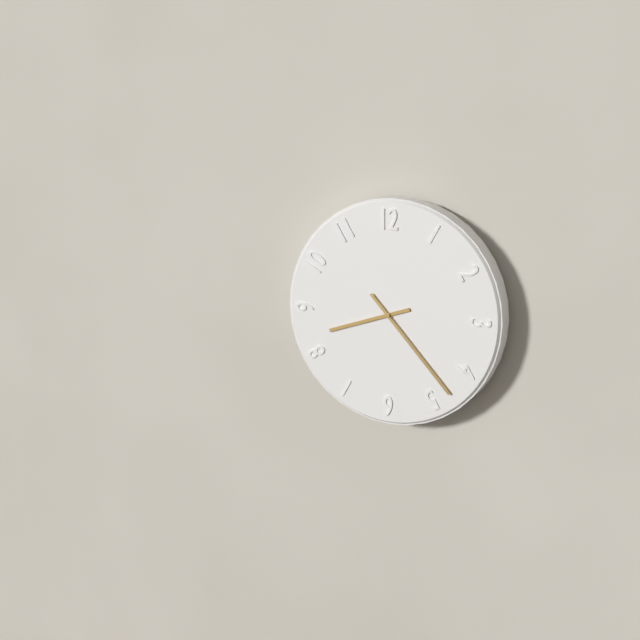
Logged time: 8 h 23 min
